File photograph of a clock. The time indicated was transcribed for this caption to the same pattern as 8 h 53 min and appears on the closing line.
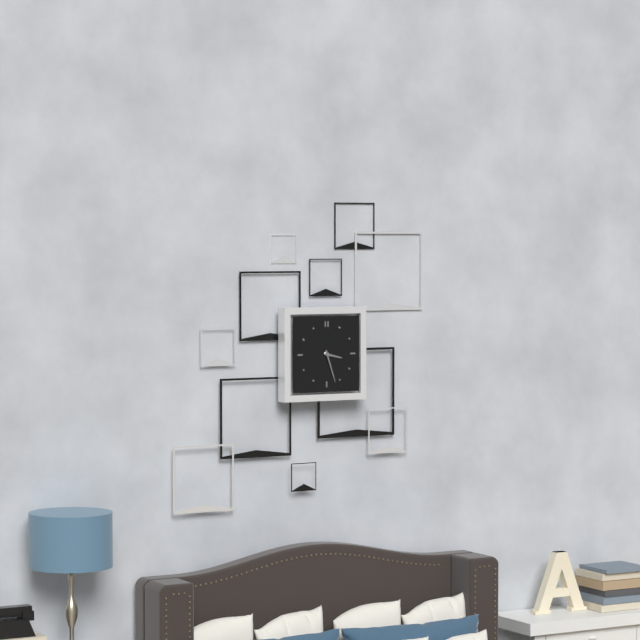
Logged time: 3 h 27 min
